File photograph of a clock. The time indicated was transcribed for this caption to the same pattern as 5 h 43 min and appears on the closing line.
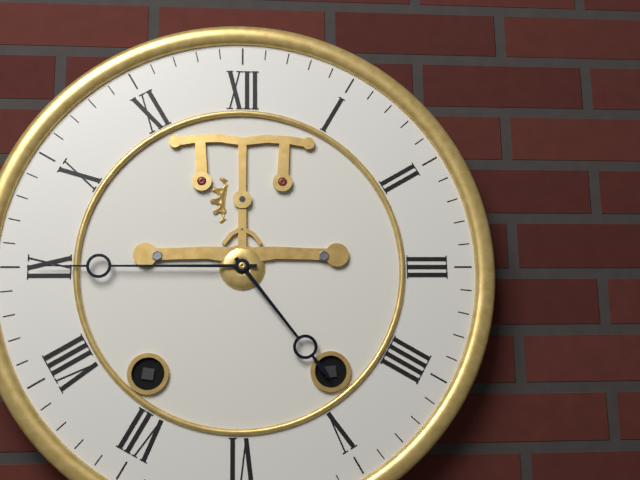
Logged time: 4 h 45 min
